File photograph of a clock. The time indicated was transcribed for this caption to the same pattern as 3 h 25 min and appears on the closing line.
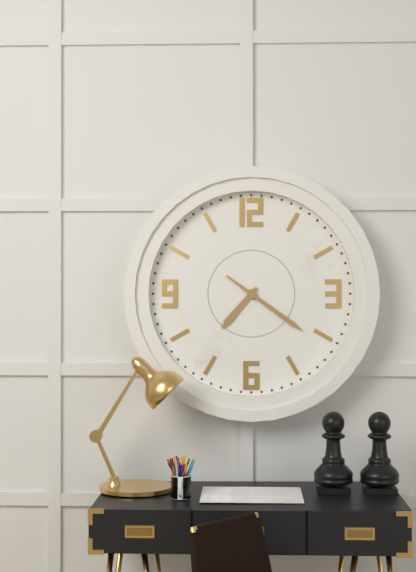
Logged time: 7 h 21 min
